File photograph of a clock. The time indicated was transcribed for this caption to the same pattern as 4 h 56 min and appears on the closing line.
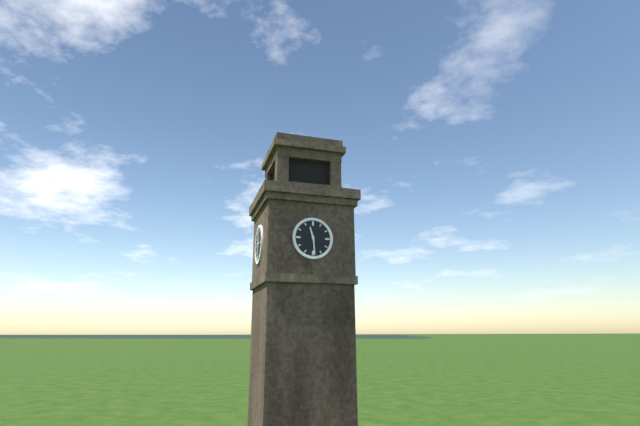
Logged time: 11 h 29 min
